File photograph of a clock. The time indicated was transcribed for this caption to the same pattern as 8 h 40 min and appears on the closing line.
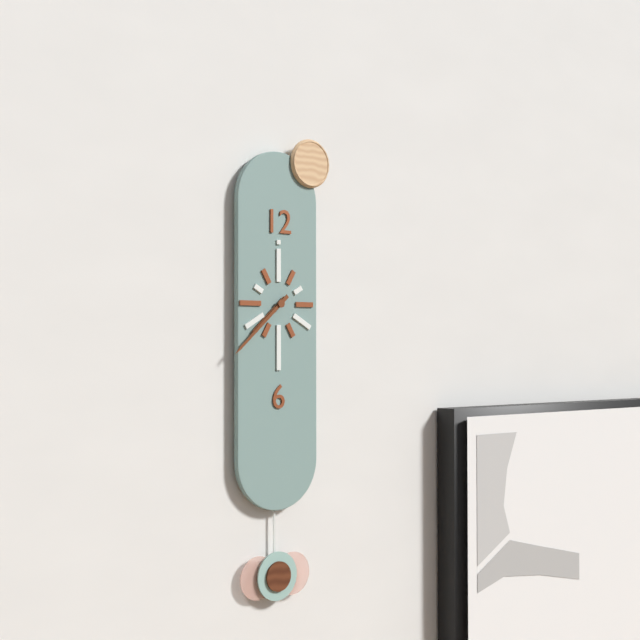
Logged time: 7 h 38 min
